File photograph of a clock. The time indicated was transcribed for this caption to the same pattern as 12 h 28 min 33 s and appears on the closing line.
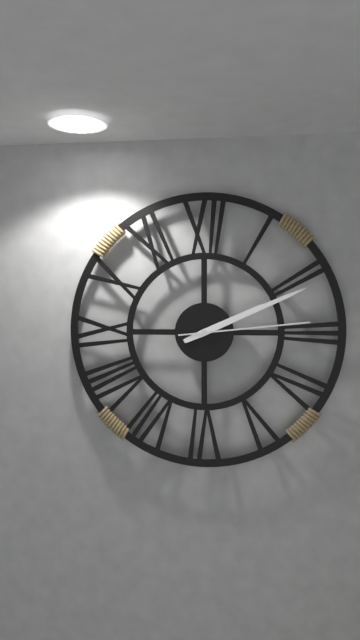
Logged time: 2 h 11 min 14 s
